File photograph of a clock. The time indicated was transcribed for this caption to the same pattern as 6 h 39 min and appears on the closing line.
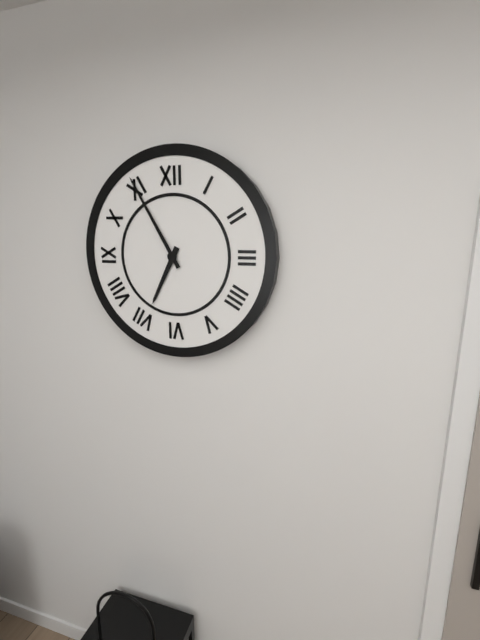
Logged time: 6 h 55 min
